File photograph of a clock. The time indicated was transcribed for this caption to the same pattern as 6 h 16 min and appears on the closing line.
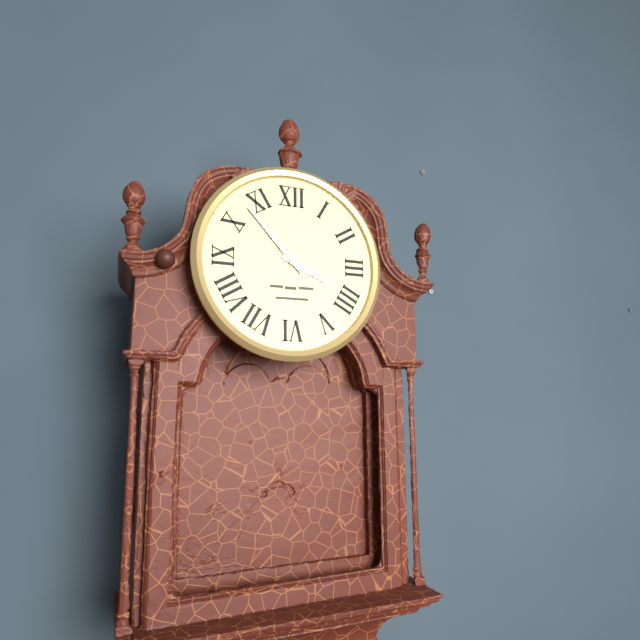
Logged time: 3 h 53 min
